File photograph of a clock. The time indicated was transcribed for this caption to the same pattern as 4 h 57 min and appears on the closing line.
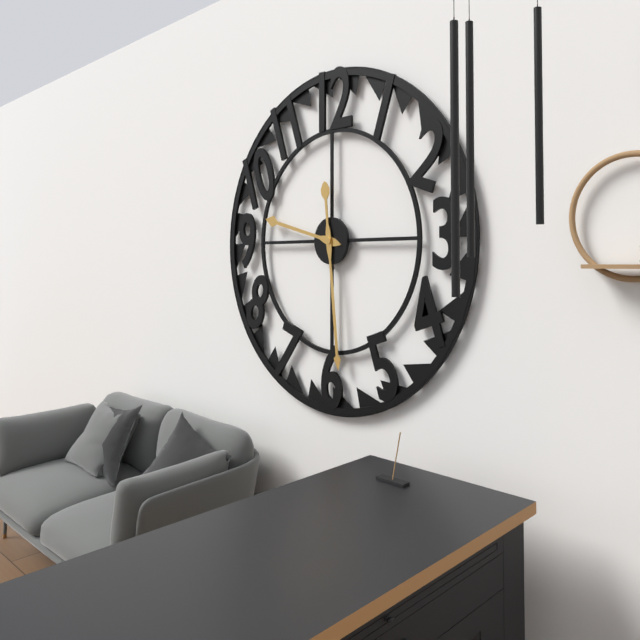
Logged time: 9 h 29 min
